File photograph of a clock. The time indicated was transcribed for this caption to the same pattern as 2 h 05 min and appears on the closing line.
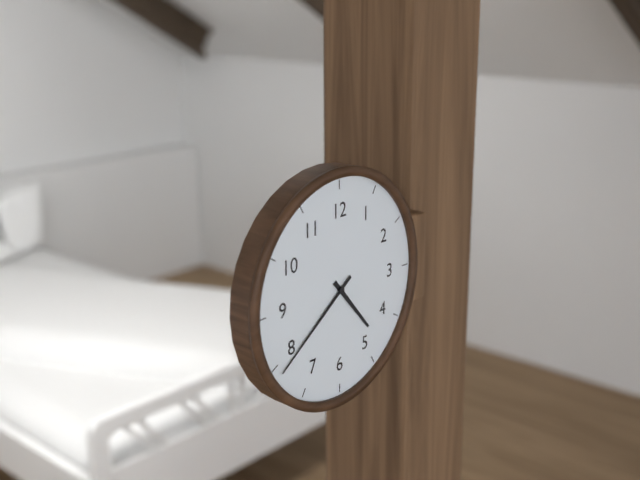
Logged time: 4 h 39 min
